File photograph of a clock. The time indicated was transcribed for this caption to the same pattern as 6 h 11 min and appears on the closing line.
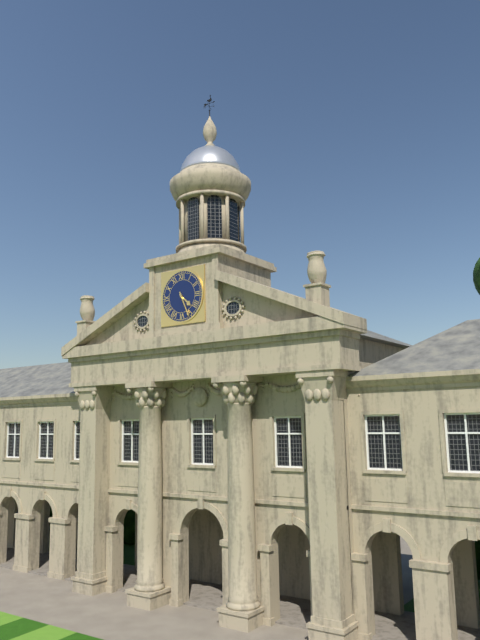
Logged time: 4 h 26 min
